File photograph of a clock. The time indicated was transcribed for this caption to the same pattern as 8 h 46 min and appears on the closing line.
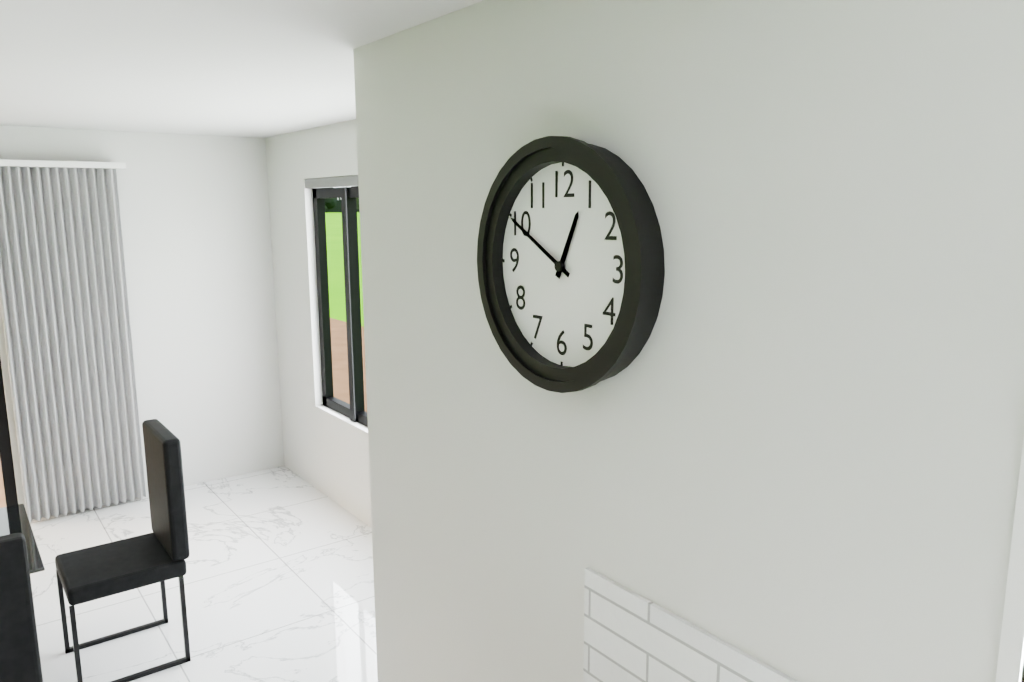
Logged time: 12 h 50 min
